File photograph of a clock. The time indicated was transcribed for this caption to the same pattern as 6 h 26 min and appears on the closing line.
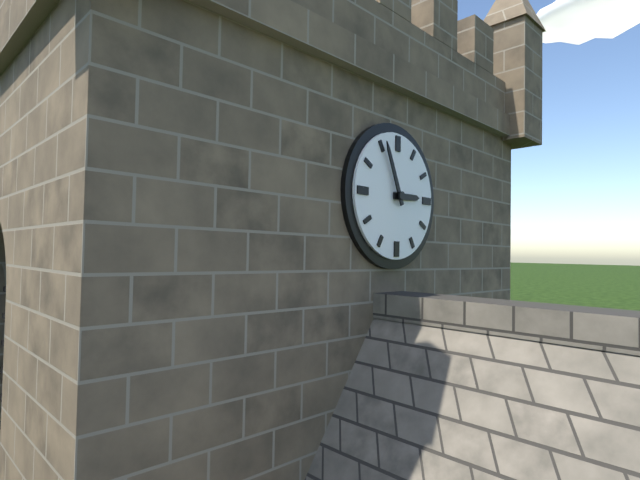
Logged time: 2 h 56 min
